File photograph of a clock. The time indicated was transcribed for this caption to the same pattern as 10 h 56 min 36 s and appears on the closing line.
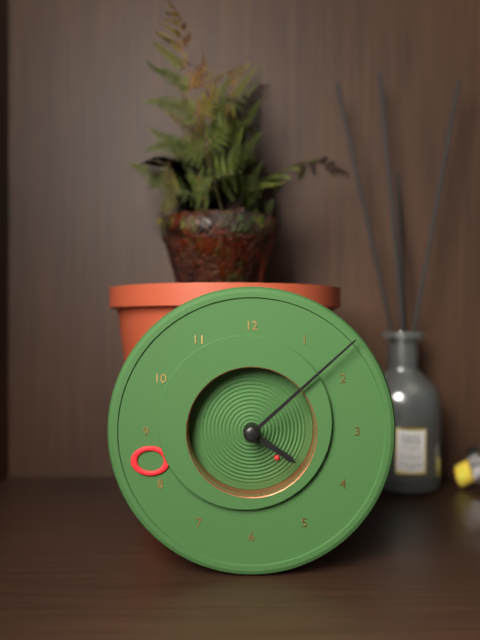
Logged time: 4 h 08 min 23 s
